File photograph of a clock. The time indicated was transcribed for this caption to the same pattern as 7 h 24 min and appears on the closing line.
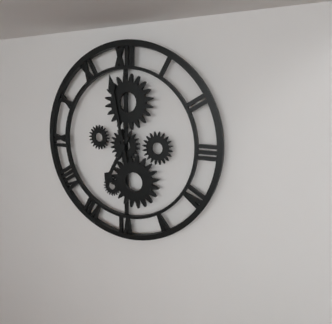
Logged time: 6 h 58 min
